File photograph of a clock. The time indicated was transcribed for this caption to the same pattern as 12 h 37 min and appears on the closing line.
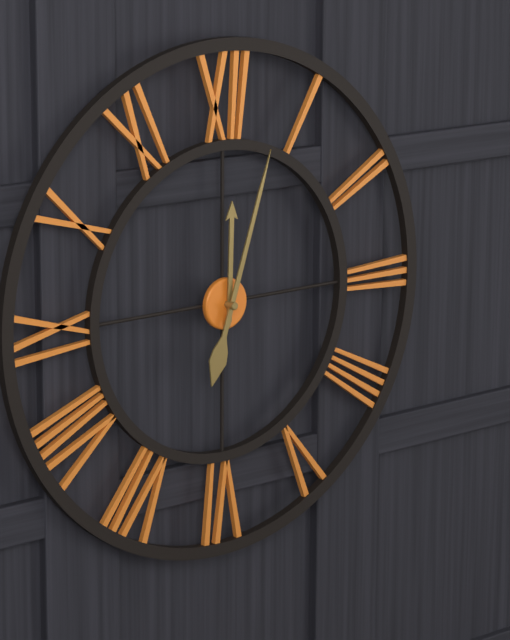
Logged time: 12 h 03 min
